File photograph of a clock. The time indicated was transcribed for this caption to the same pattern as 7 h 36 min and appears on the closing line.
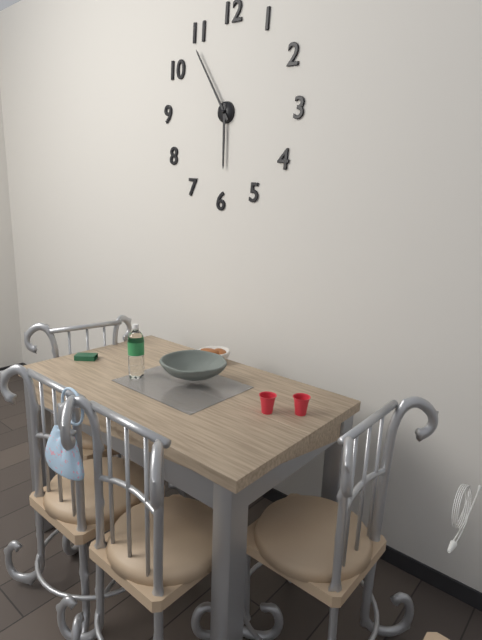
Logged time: 5 h 54 min
